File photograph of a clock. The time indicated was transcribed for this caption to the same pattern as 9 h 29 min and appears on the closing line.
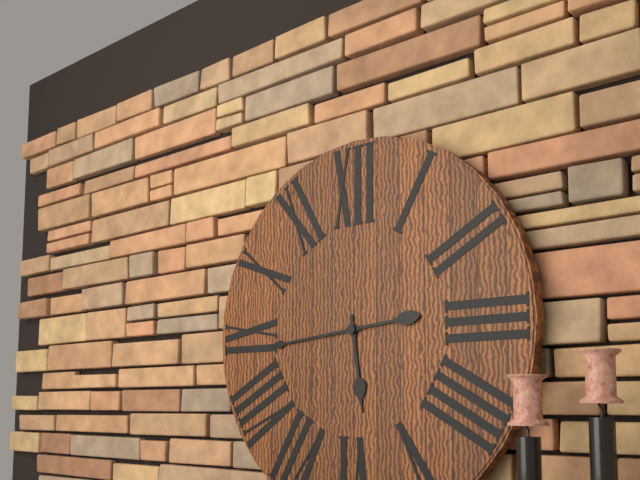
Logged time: 5 h 44 min
